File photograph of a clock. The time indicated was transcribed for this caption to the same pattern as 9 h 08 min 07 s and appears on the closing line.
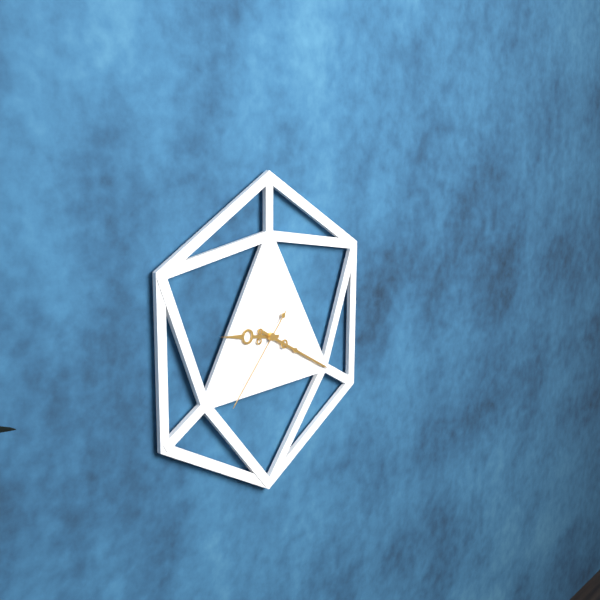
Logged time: 9 h 20 min 37 s
